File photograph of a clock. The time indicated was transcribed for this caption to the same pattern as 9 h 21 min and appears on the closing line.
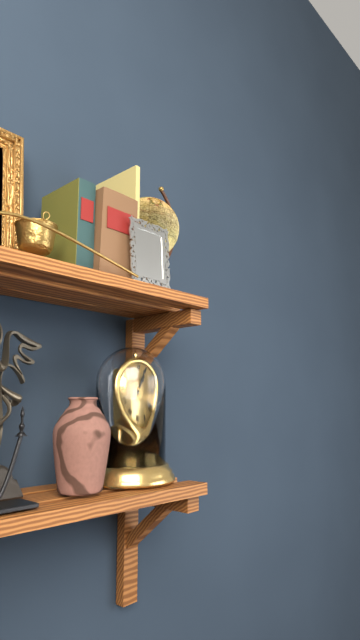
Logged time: 1 h 04 min
